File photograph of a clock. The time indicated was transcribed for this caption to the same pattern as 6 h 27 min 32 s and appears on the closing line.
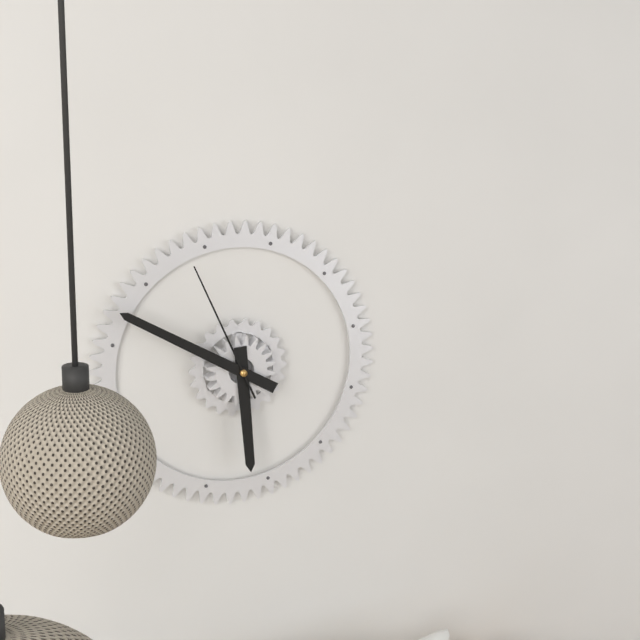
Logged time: 5 h 50 min 56 s
